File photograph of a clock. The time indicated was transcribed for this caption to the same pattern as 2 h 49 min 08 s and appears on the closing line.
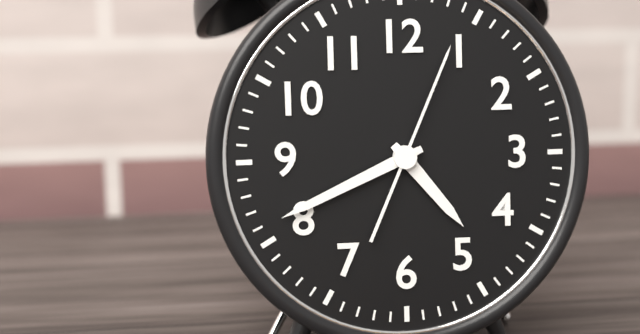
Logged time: 4 h 41 min 04 s
